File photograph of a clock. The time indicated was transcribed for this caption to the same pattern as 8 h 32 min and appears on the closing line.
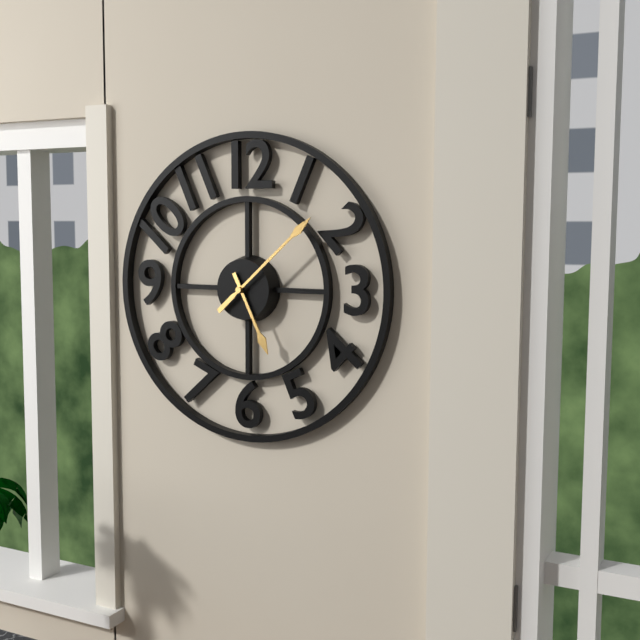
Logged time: 5 h 08 min
